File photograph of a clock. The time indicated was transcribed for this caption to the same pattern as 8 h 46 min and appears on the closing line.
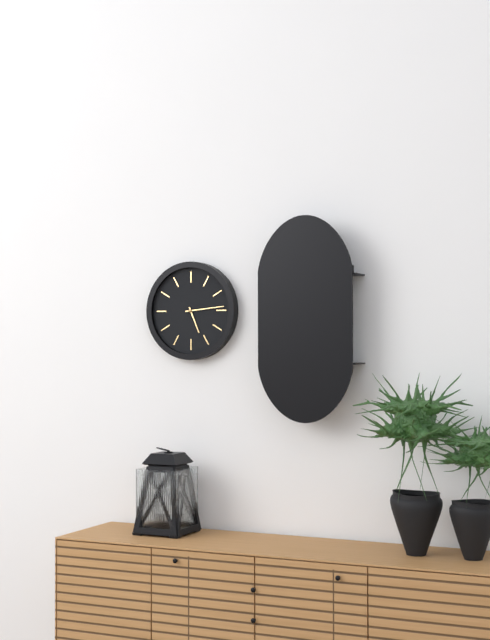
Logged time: 5 h 14 min
